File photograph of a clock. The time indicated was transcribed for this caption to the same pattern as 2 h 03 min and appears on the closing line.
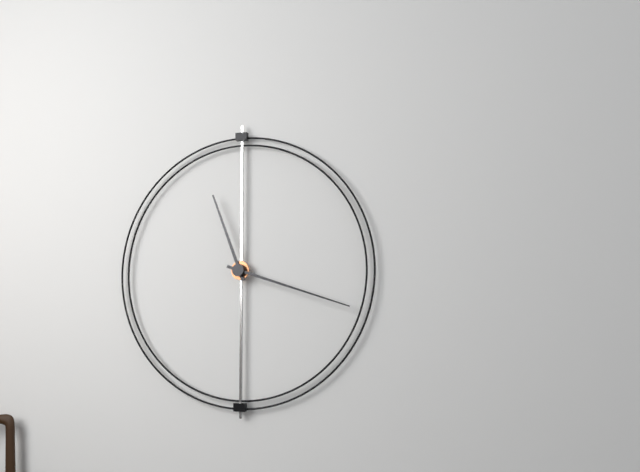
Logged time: 11 h 18 min
